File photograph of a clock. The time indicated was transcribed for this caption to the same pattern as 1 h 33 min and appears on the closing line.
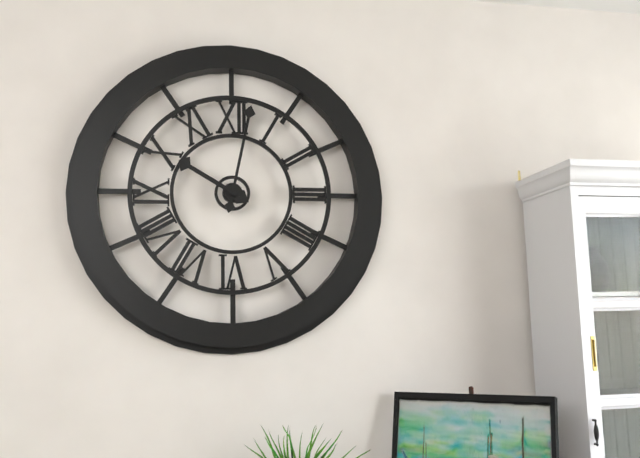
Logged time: 10 h 02 min
